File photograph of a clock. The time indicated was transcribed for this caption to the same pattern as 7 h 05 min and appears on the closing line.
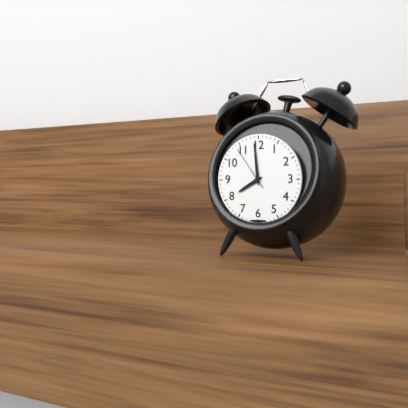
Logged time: 7 h 59 min
